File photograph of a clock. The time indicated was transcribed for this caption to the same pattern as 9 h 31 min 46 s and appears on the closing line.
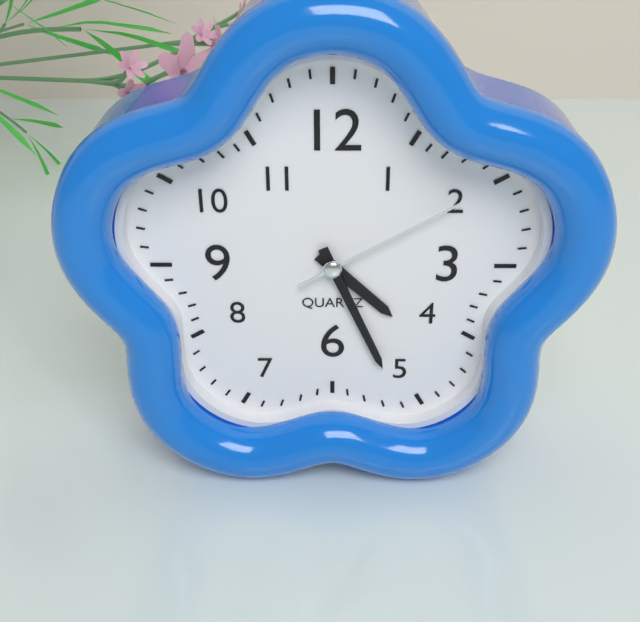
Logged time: 4 h 26 min 10 s
